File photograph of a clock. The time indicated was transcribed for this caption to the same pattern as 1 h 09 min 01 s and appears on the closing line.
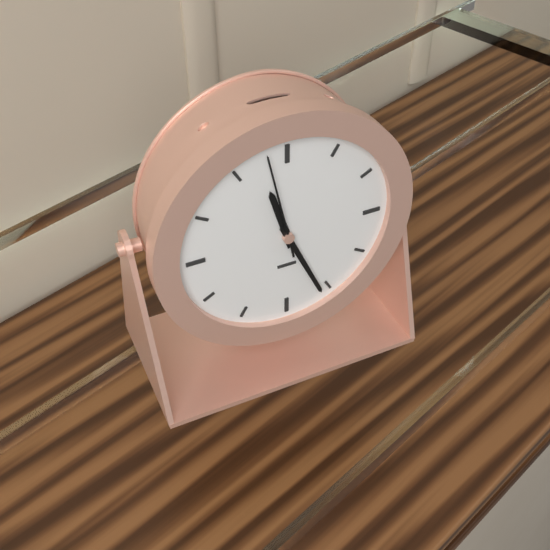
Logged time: 11 h 26 min 58 s
